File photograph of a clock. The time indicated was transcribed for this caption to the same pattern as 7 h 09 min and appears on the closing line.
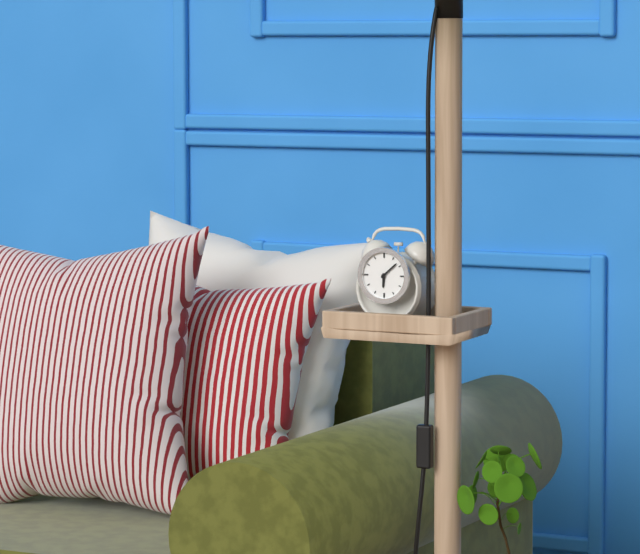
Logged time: 6 h 08 min
